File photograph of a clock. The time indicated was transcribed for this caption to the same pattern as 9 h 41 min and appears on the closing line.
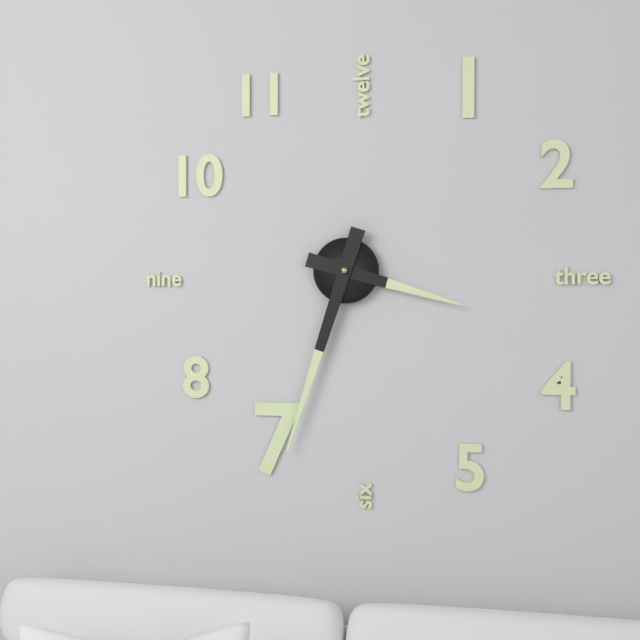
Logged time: 3 h 33 min
